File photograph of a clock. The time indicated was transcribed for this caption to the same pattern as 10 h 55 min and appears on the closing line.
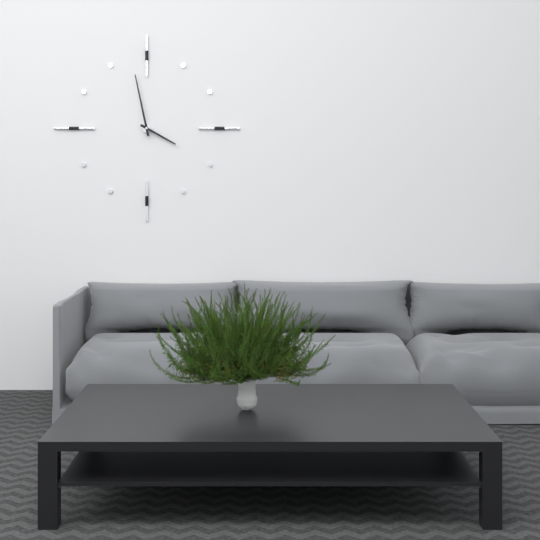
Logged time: 3 h 58 min
